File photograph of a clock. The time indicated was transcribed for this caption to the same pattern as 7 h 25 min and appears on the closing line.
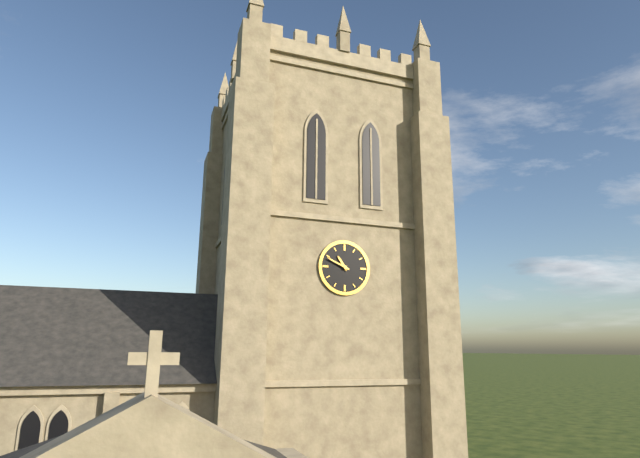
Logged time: 10 h 49 min
